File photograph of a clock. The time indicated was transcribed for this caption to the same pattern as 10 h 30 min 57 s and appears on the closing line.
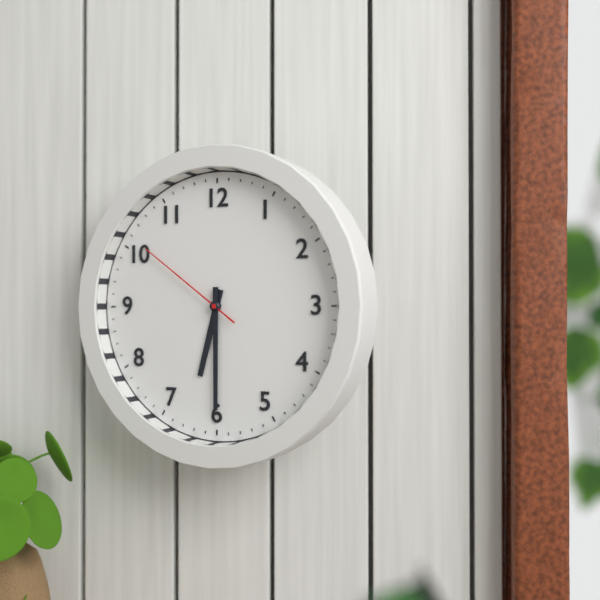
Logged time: 6 h 30 min 51 s
